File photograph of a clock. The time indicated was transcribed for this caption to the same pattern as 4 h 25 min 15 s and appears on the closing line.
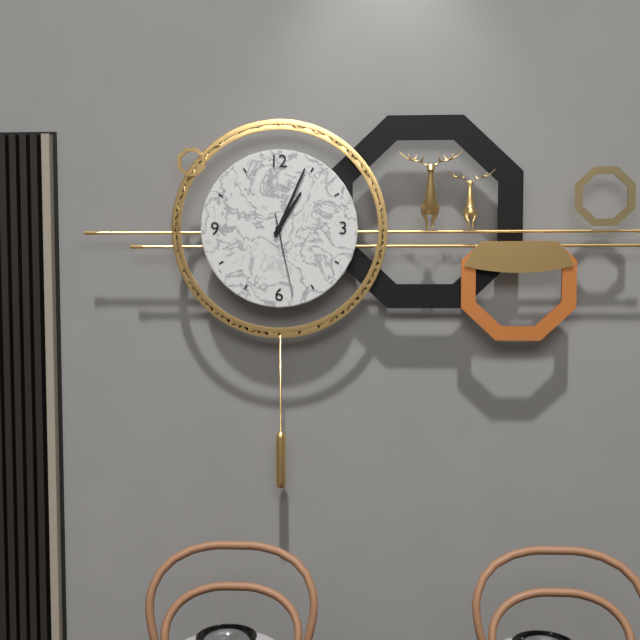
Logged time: 1 h 04 min 28 s
